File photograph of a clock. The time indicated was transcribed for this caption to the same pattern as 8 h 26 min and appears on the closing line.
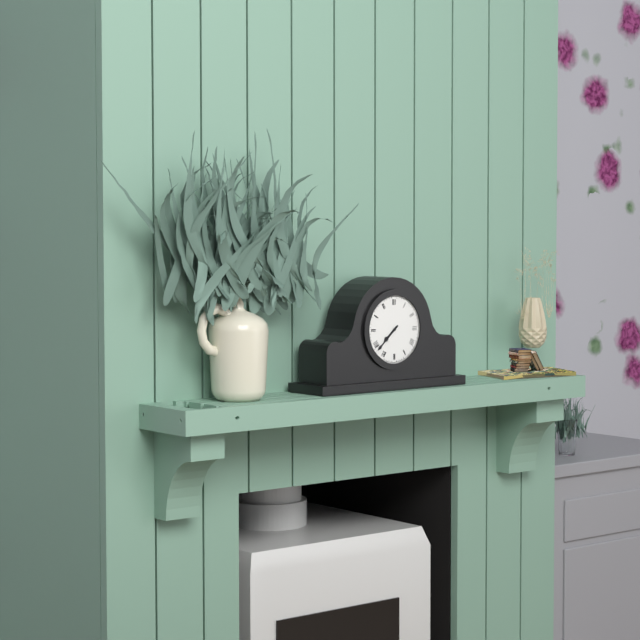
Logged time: 7 h 38 min
